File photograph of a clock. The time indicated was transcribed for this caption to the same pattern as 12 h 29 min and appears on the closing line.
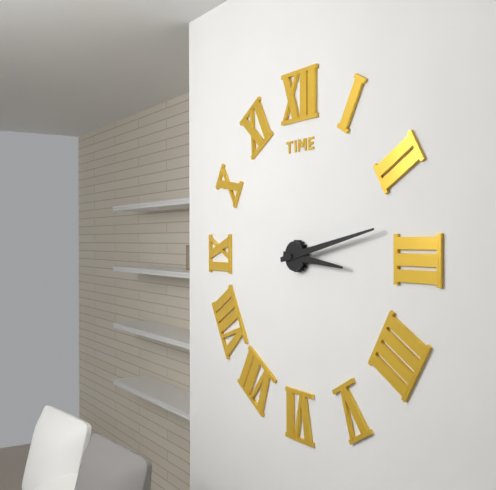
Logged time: 3 h 13 min
